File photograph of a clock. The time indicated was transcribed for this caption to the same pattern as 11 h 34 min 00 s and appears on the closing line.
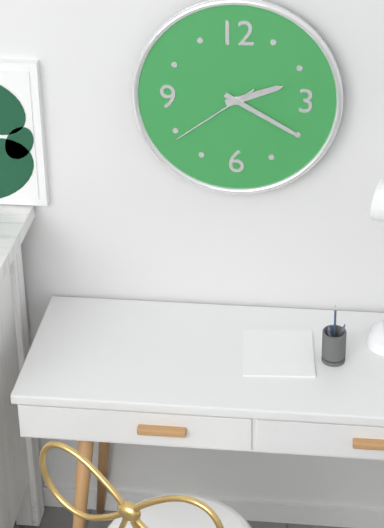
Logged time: 2 h 20 min 39 s
